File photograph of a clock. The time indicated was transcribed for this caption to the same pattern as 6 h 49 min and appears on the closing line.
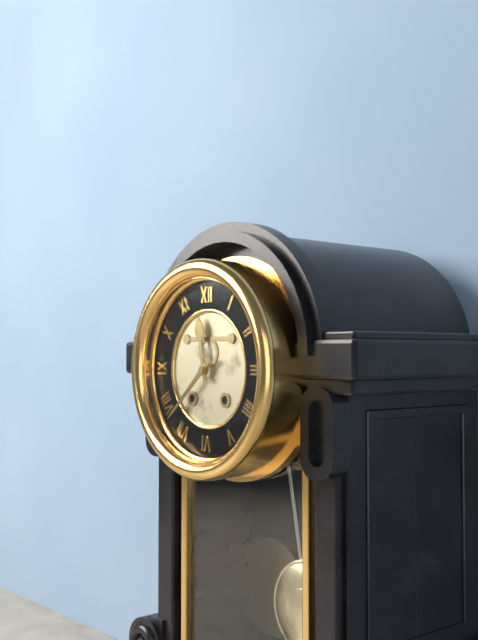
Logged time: 11 h 38 min
